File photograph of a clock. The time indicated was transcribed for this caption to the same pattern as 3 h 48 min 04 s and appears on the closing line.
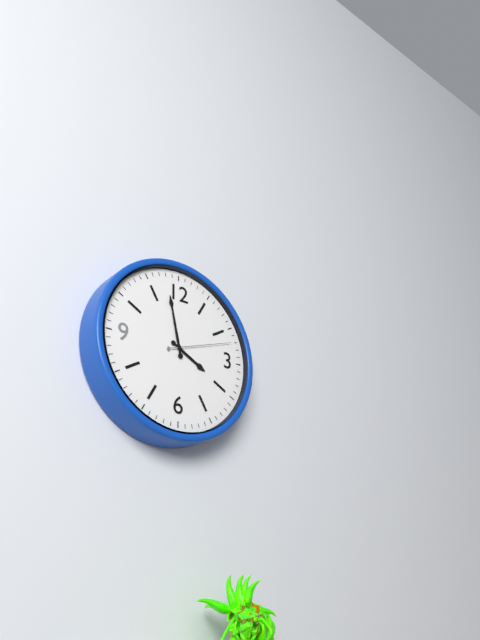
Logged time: 3 h 58 min 12 s
